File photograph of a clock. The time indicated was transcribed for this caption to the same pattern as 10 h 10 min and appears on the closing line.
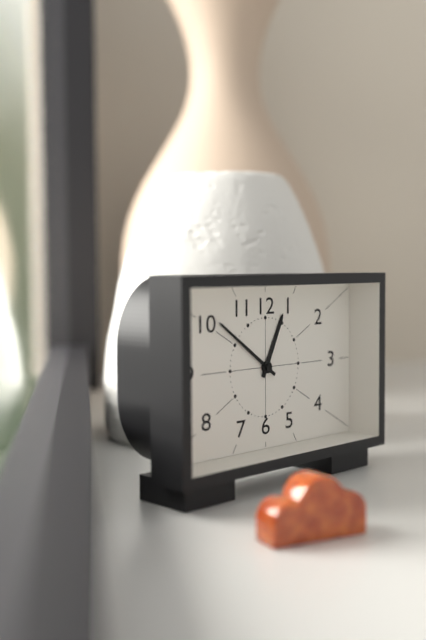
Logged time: 12 h 51 min
